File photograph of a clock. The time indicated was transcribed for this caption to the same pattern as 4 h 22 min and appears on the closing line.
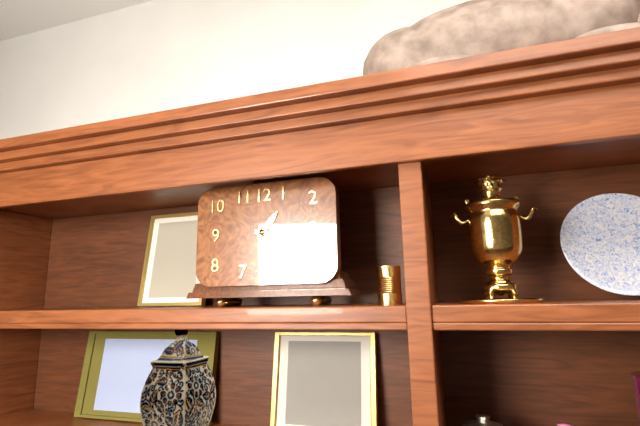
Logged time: 1 h 17 min
